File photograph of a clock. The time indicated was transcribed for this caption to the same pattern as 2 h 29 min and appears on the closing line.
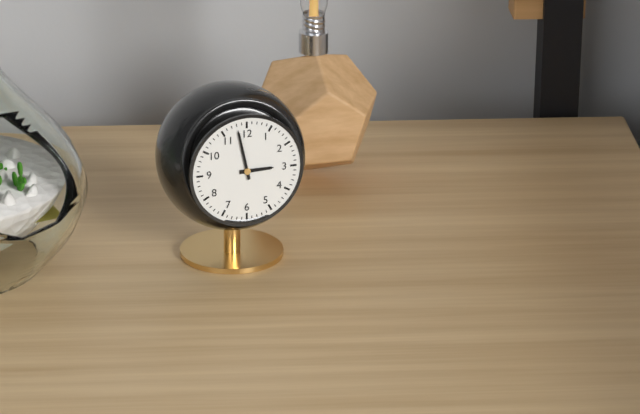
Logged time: 2 h 58 min
